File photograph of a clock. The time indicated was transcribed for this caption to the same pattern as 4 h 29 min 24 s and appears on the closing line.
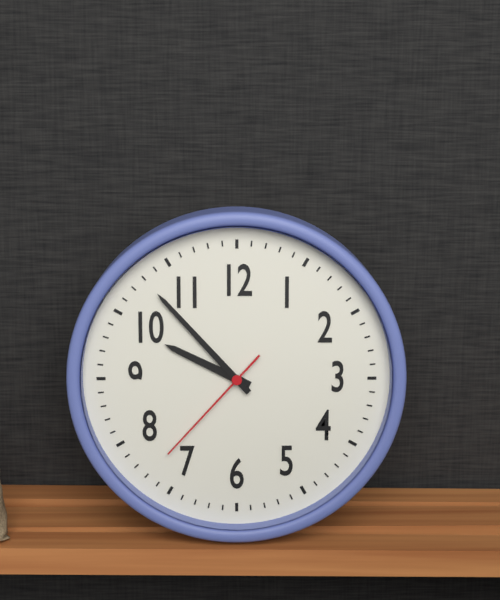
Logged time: 9 h 53 min 37 s
